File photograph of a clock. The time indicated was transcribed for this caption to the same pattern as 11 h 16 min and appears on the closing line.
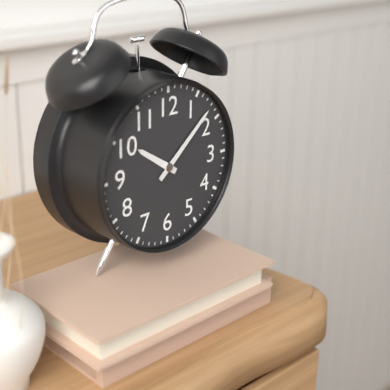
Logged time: 10 h 08 min
